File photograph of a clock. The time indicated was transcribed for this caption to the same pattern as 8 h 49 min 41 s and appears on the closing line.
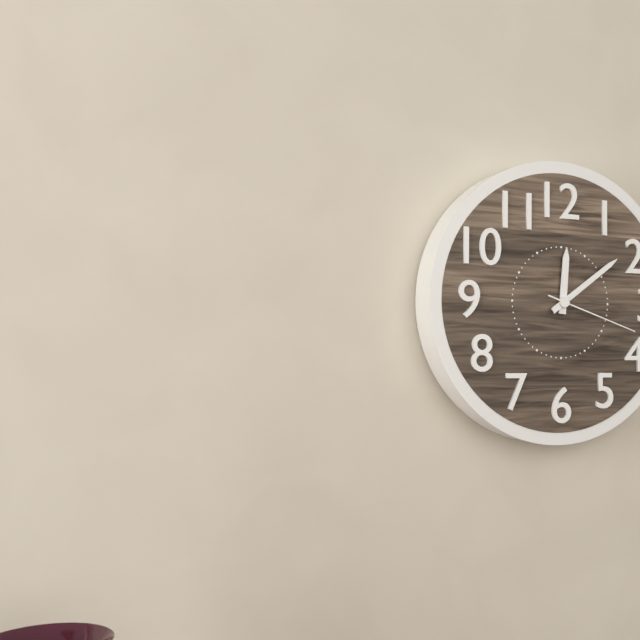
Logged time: 12 h 09 min 18 s
